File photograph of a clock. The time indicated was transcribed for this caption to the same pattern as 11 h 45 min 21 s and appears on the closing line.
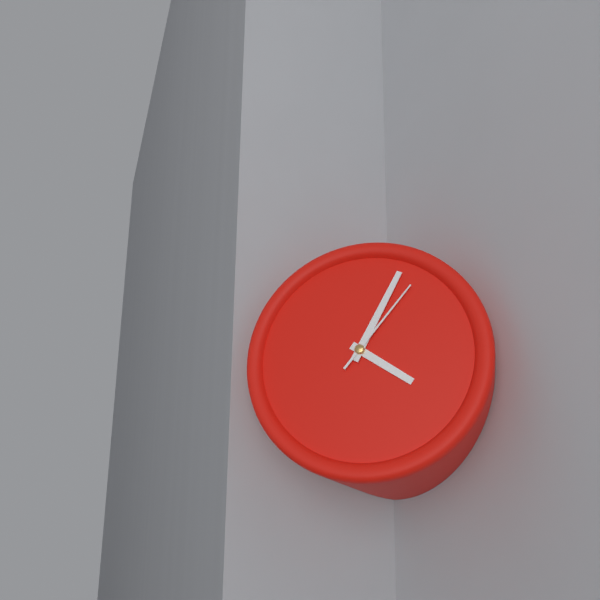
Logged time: 4 h 04 min 06 s
